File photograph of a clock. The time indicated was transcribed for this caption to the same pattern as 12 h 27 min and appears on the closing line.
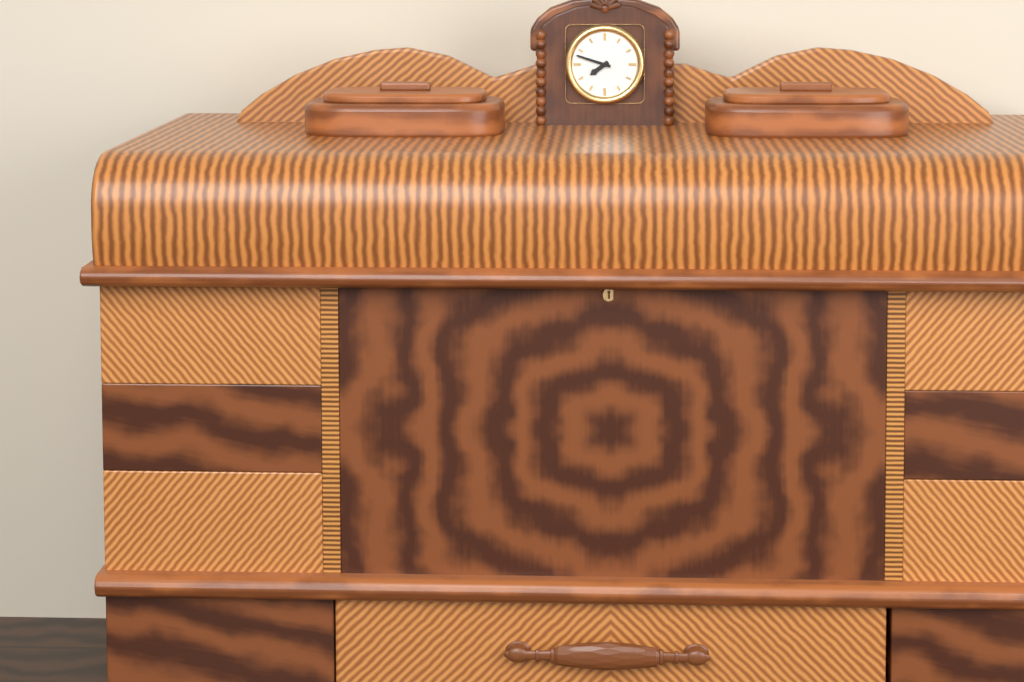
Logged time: 7 h 48 min
